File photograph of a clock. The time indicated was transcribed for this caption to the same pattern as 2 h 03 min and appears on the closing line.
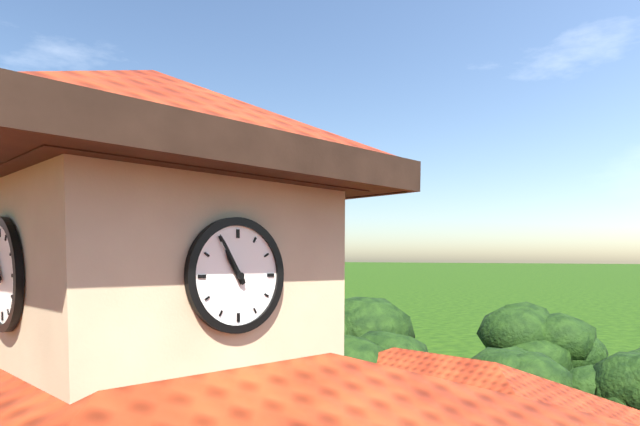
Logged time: 10 h 55 min
